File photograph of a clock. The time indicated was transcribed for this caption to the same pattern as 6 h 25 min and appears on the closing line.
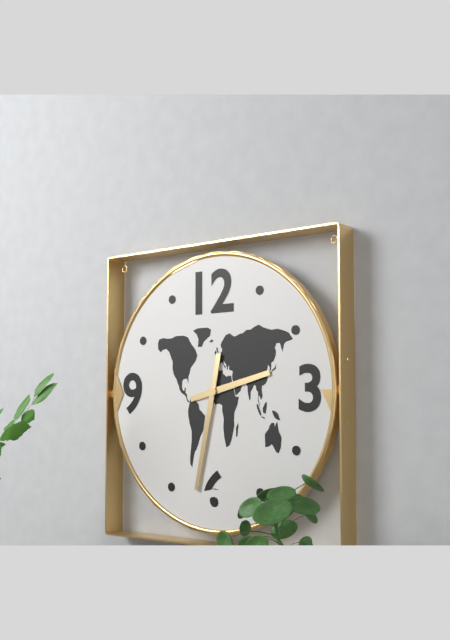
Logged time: 2 h 32 min
